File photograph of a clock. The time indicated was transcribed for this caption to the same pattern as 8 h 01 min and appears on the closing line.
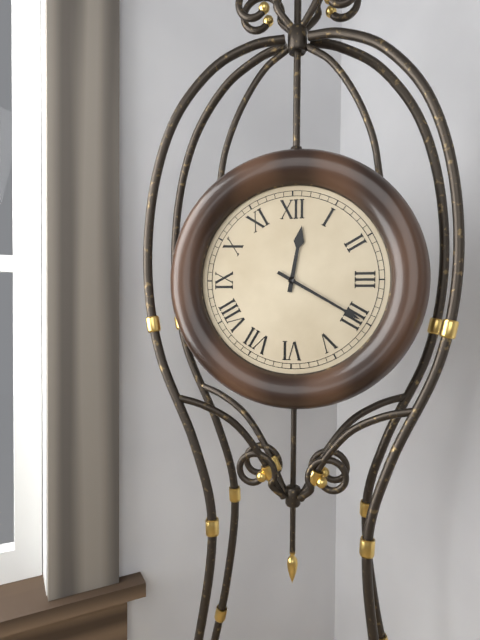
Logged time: 12 h 20 min
